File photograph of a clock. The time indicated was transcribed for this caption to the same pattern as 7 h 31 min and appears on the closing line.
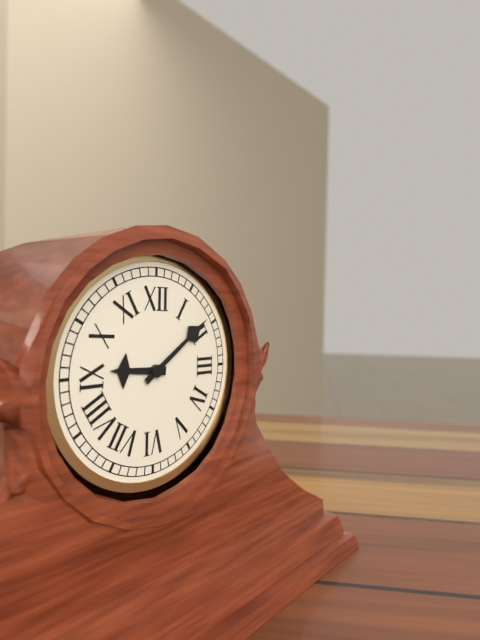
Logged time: 9 h 09 min
